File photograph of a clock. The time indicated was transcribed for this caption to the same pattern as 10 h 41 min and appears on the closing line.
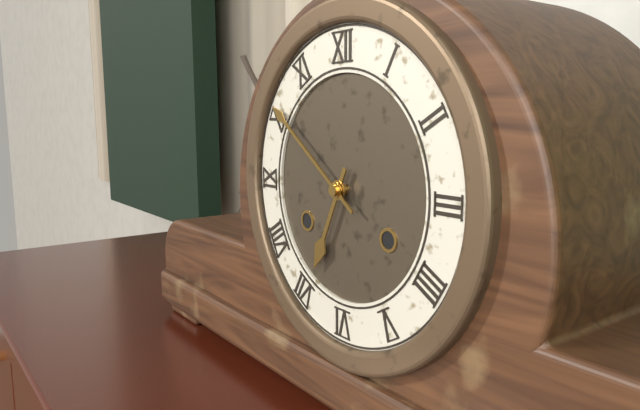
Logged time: 6 h 51 min
